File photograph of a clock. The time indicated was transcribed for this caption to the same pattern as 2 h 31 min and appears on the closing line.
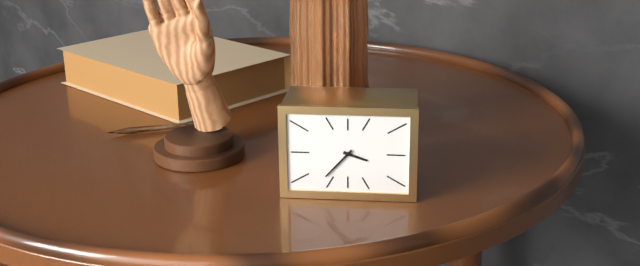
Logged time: 3 h 37 min
